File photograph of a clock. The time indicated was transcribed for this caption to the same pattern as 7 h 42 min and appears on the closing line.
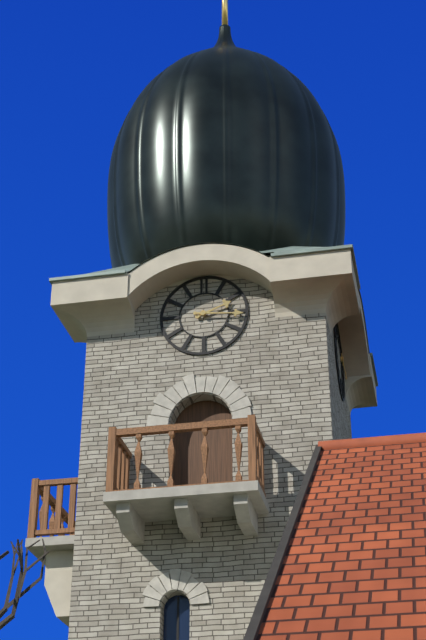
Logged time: 2 h 16 min
